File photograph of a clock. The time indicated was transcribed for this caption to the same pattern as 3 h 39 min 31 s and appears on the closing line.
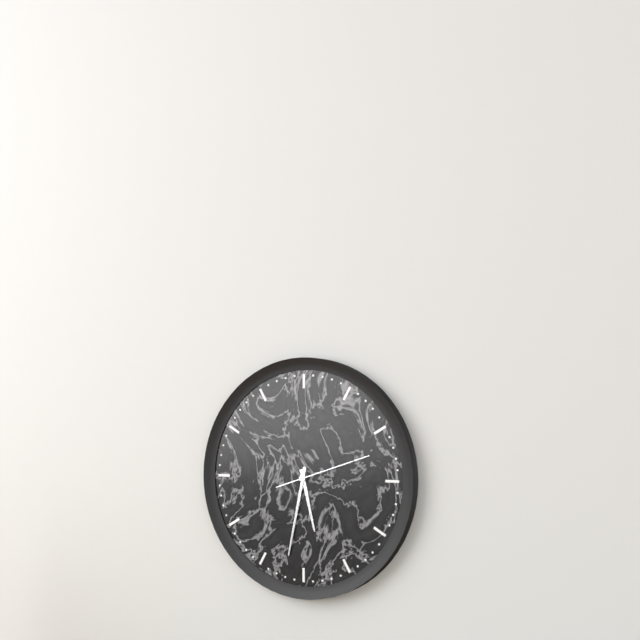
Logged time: 5 h 32 min 12 s
